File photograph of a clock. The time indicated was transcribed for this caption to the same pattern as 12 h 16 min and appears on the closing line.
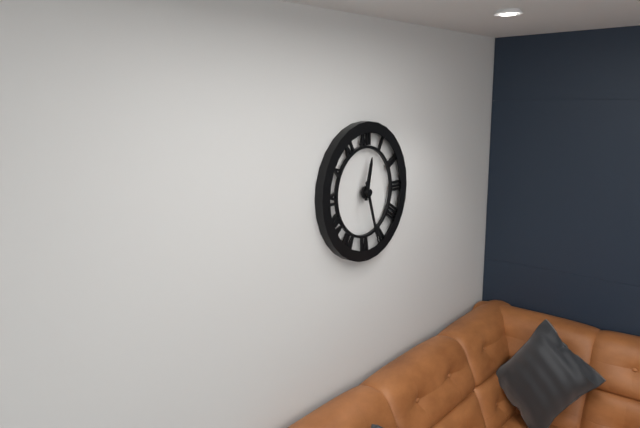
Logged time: 12 h 27 min
